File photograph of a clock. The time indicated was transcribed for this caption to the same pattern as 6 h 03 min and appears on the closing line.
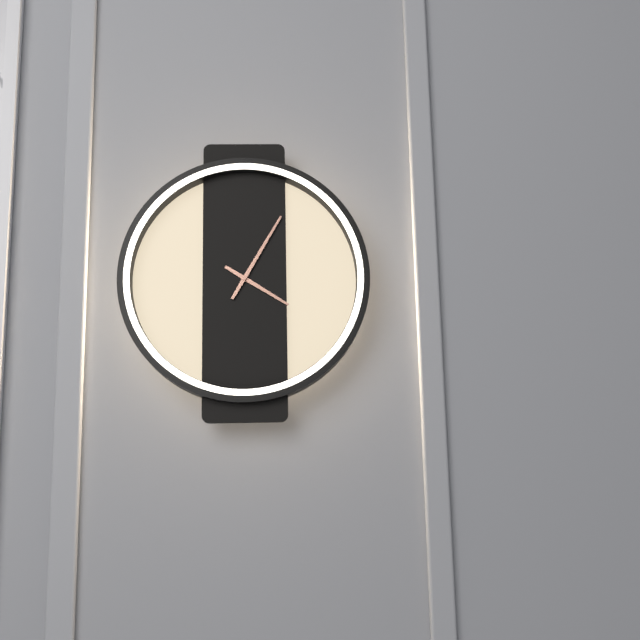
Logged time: 4 h 05 min
